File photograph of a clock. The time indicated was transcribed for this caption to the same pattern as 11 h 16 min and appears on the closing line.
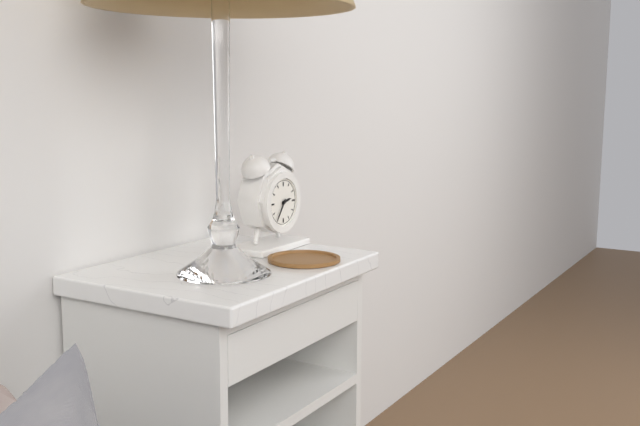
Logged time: 2 h 36 min
